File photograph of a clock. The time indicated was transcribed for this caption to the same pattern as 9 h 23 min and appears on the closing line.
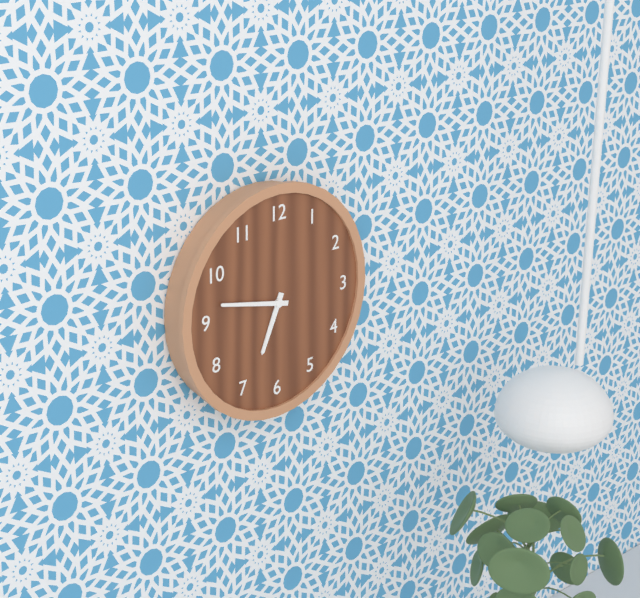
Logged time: 6 h 47 min
